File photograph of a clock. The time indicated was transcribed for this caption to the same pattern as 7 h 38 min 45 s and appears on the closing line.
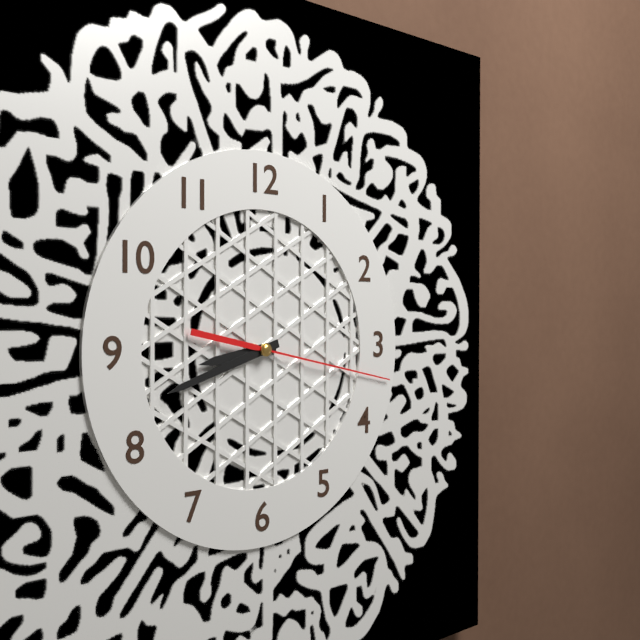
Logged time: 8 h 42 min 17 s
